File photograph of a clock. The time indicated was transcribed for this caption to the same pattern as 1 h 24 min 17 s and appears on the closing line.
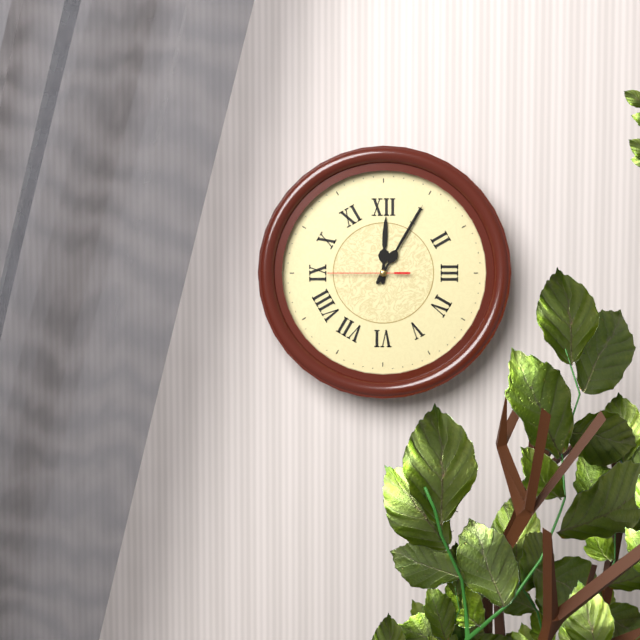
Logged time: 12 h 05 min 45 s
